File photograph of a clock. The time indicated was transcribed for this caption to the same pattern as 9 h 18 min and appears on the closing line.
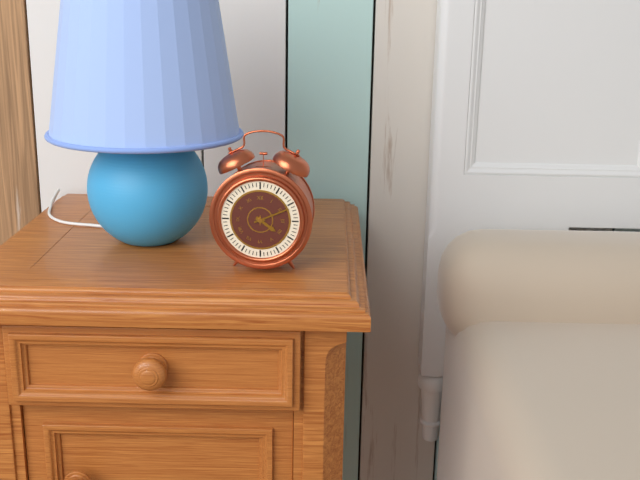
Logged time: 4 h 11 min
